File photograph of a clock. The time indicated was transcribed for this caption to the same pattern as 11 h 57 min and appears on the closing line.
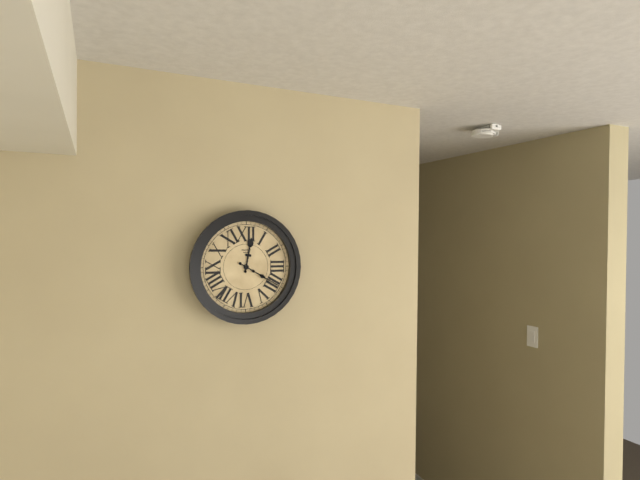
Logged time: 12 h 20 min
